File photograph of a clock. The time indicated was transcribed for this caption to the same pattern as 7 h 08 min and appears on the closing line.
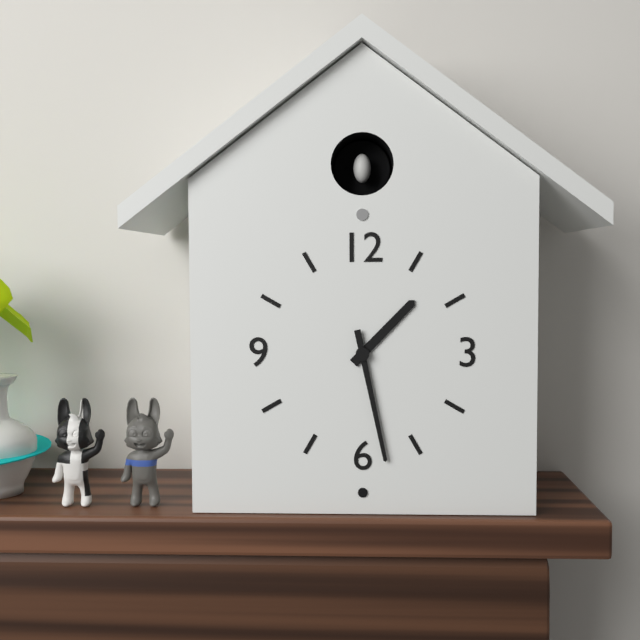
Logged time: 1 h 28 min
